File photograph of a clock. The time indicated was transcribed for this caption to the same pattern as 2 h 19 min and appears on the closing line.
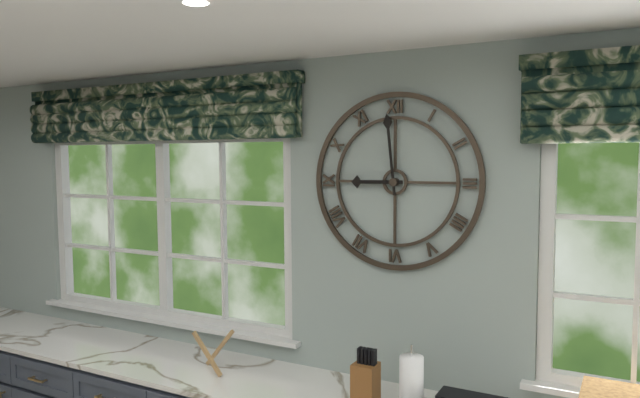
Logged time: 8 h 59 min
